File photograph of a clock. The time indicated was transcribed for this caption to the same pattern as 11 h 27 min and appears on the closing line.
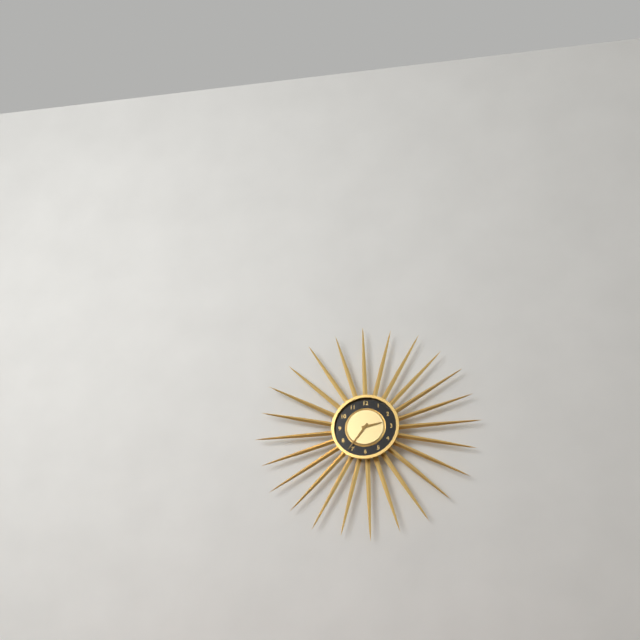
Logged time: 2 h 36 min
